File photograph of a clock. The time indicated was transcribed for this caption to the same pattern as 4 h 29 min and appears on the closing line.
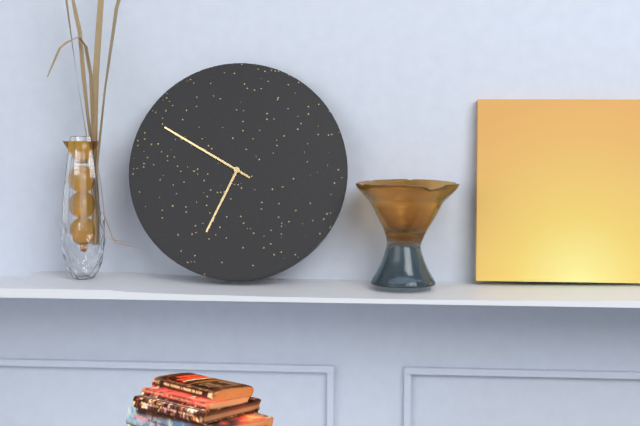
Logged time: 6 h 50 min
